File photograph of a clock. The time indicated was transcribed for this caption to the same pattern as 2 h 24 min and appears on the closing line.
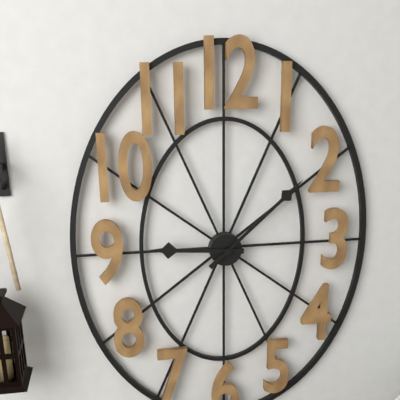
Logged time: 9 h 08 min
